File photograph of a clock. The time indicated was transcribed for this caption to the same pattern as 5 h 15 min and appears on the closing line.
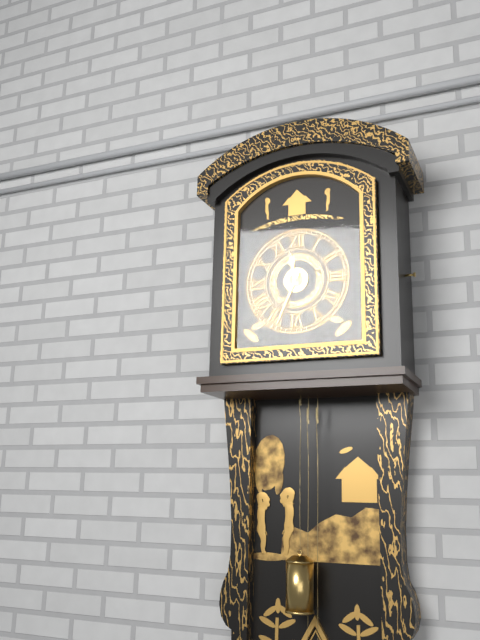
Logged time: 11 h 34 min
